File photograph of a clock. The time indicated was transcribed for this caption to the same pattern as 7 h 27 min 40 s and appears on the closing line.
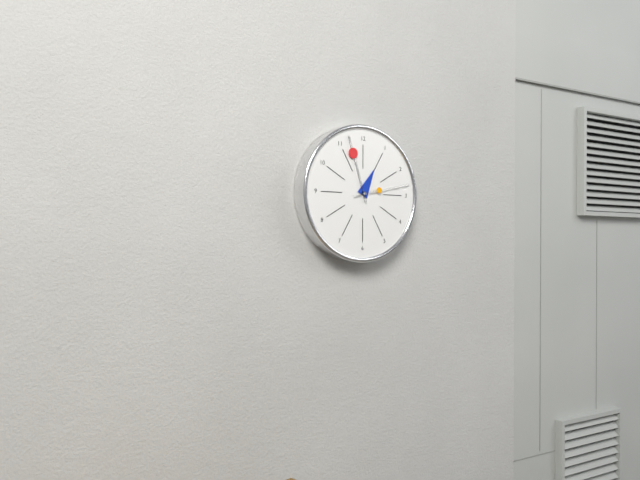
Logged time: 12 h 57 min 13 s
